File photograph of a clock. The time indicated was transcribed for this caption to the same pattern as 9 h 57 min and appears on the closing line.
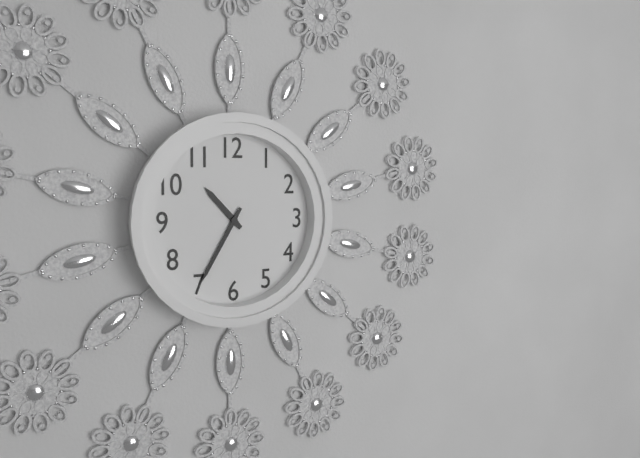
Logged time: 10 h 35 min
